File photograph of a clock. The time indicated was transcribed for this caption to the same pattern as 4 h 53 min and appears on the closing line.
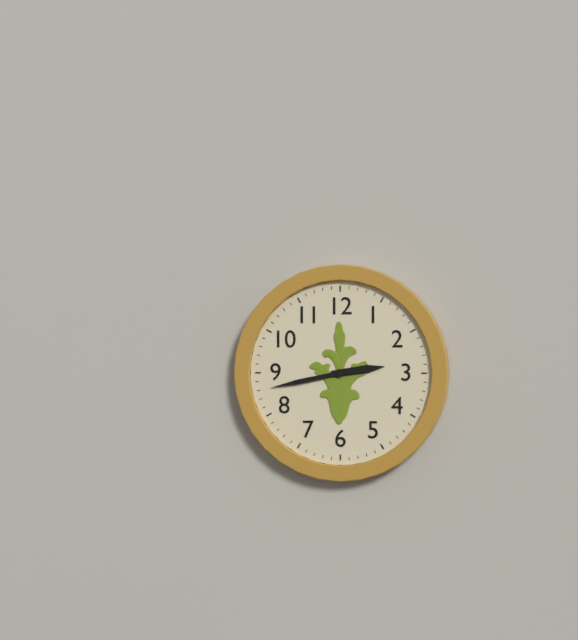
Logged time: 2 h 43 min
